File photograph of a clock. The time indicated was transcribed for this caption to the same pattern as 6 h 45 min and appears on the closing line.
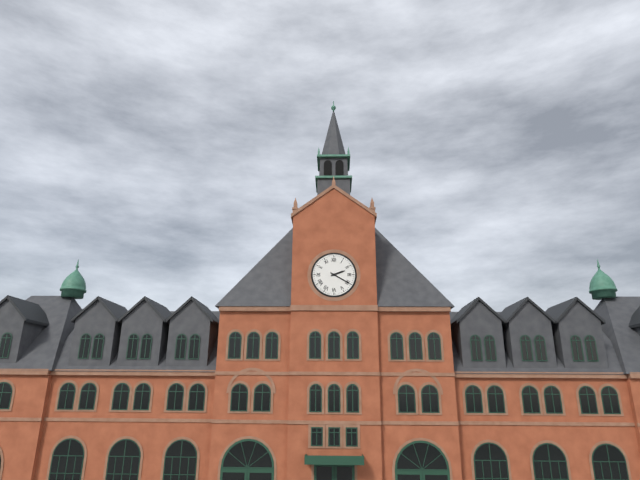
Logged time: 2 h 20 min
